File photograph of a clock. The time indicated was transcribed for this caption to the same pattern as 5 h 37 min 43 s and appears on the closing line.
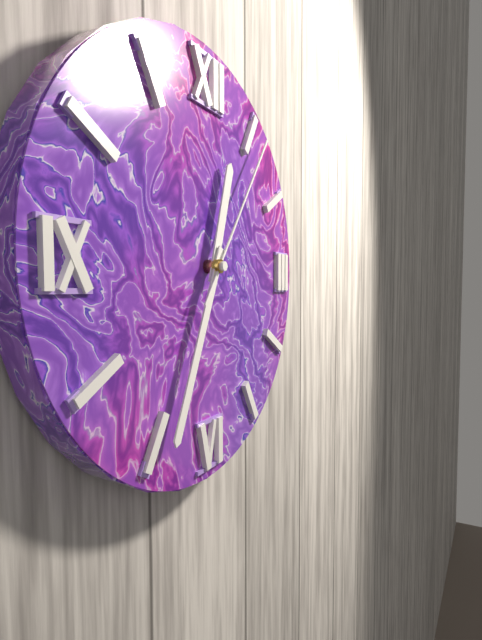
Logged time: 12 h 34 min 06 s
